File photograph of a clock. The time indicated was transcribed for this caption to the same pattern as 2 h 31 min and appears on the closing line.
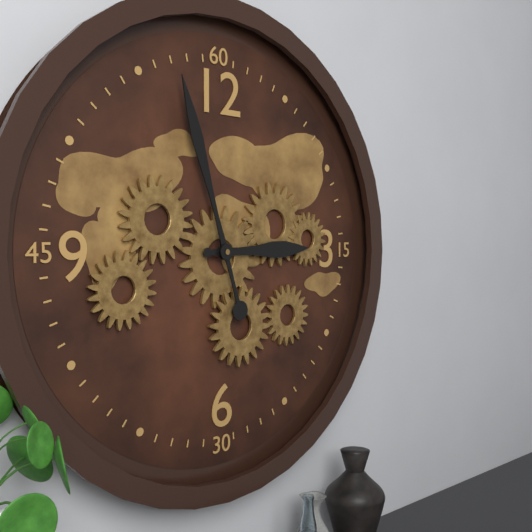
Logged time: 2 h 57 min
